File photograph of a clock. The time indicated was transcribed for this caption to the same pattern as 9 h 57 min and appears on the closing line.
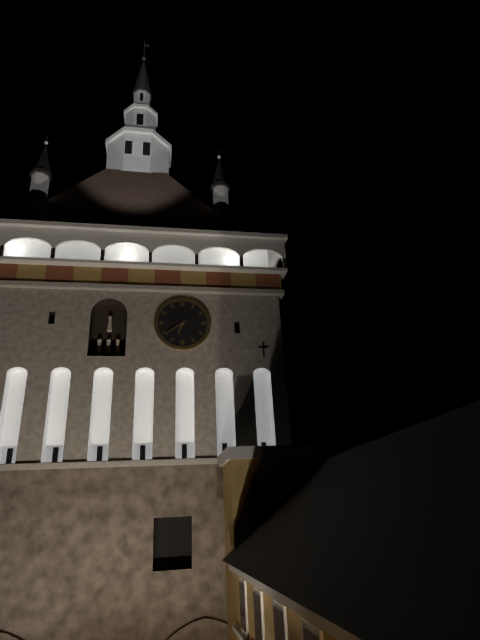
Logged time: 6 h 39 min
